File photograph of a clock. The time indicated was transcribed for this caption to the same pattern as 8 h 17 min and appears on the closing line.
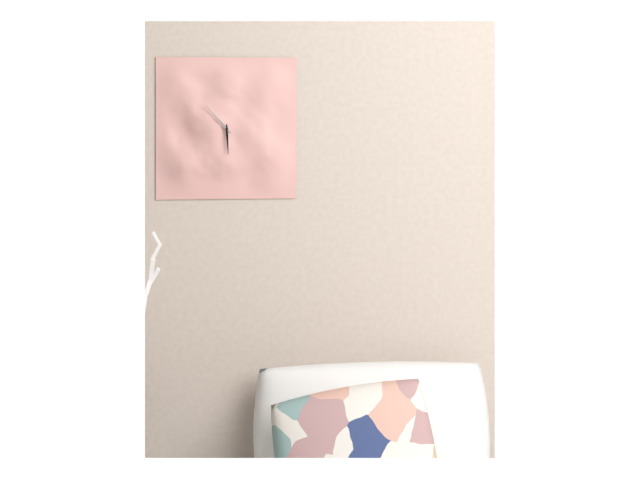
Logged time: 5 h 53 min
